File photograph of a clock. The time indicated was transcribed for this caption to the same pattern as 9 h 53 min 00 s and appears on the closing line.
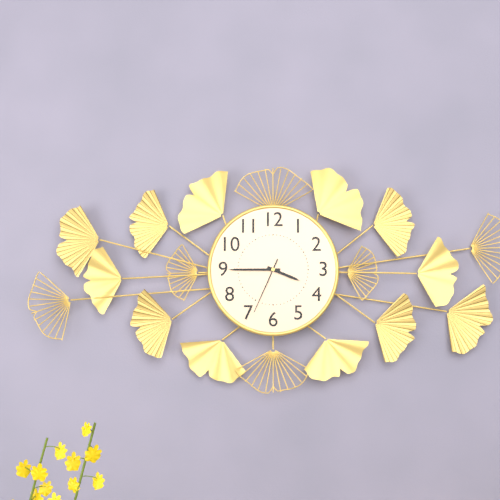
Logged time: 3 h 45 min 34 s
